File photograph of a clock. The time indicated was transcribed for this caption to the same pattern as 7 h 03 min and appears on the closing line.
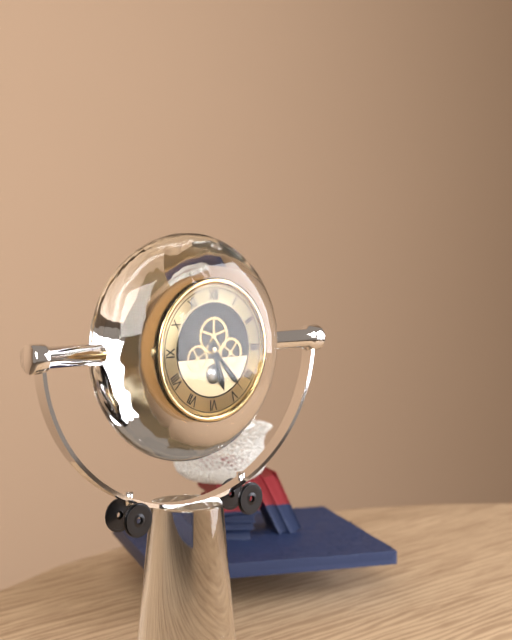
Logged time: 5 h 23 min
